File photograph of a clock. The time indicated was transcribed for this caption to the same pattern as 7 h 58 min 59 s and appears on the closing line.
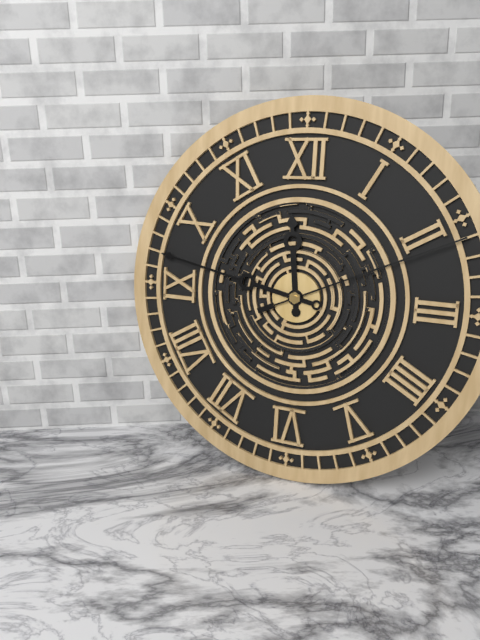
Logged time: 11 h 47 min 11 s
